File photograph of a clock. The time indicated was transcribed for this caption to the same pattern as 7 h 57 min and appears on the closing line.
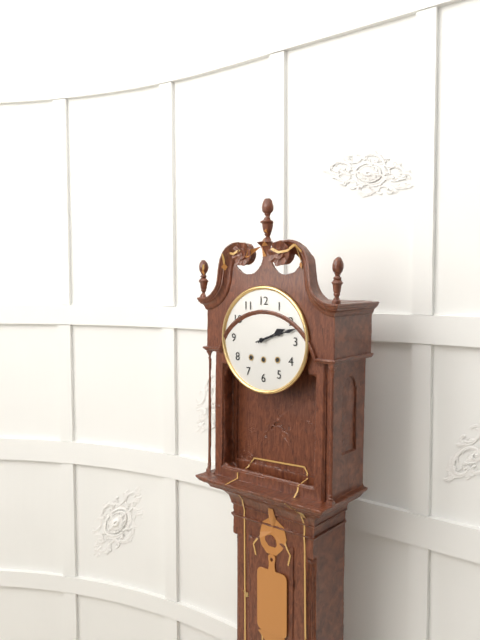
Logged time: 2 h 12 min
